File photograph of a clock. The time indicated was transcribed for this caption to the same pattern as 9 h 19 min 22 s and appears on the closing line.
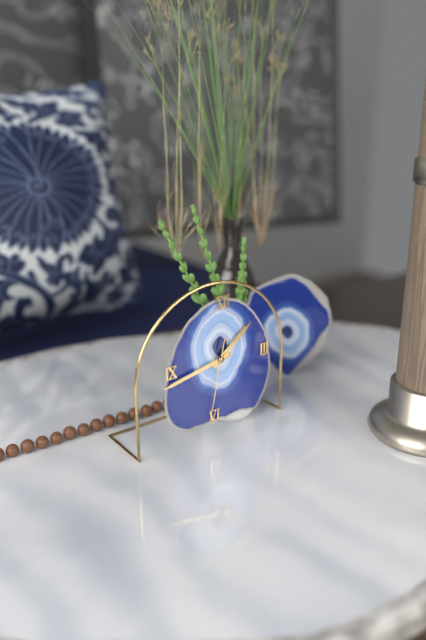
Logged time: 1 h 43 min 32 s
